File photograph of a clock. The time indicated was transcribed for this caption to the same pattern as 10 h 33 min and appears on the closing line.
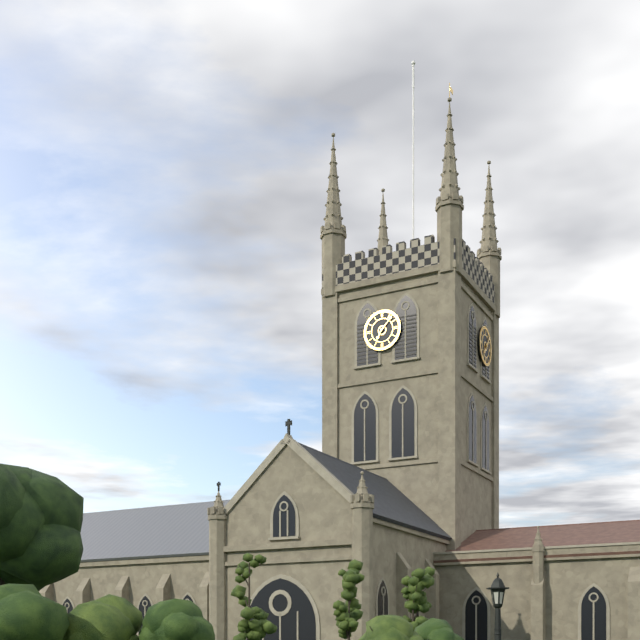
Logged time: 7 h 07 min
